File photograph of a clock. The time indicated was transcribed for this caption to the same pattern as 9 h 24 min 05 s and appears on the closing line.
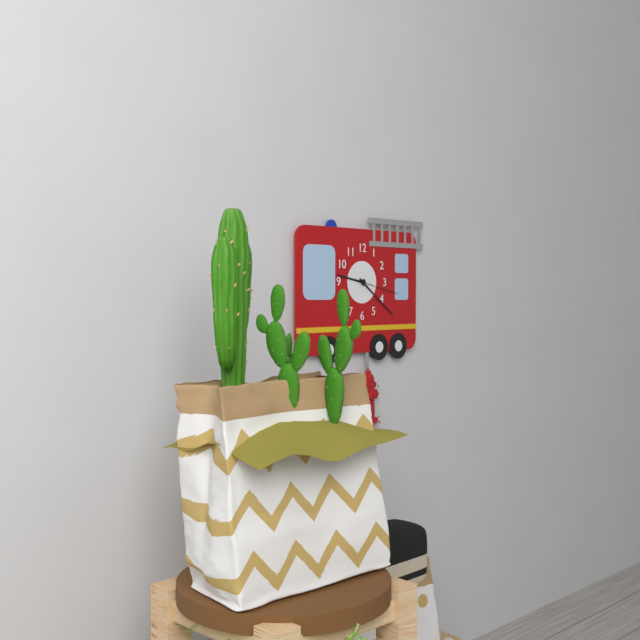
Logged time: 9 h 21 min 17 s
